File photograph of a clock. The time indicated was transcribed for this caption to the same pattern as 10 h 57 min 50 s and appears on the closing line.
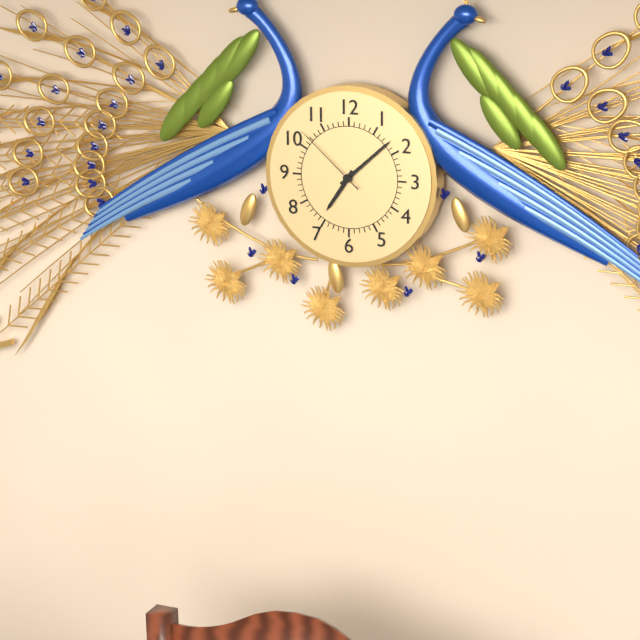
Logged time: 7 h 08 min 52 s
